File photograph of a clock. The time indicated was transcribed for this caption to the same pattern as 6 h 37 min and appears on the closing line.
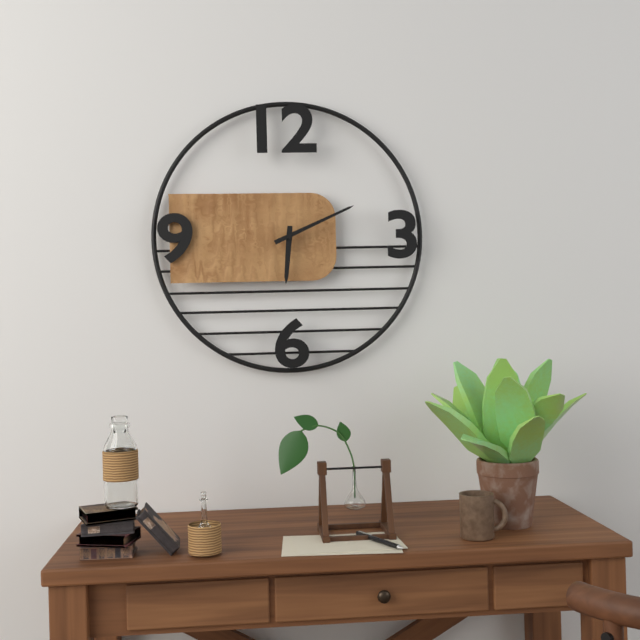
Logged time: 6 h 11 min
